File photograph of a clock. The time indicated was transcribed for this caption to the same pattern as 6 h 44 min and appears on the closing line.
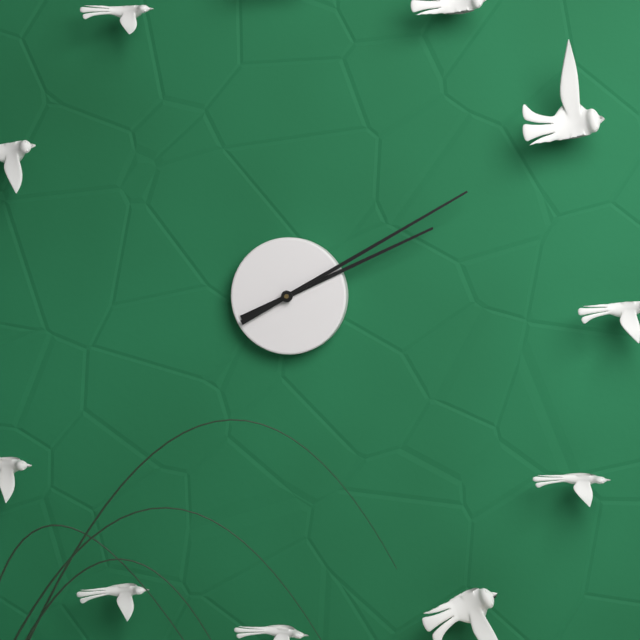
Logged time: 2 h 10 min
